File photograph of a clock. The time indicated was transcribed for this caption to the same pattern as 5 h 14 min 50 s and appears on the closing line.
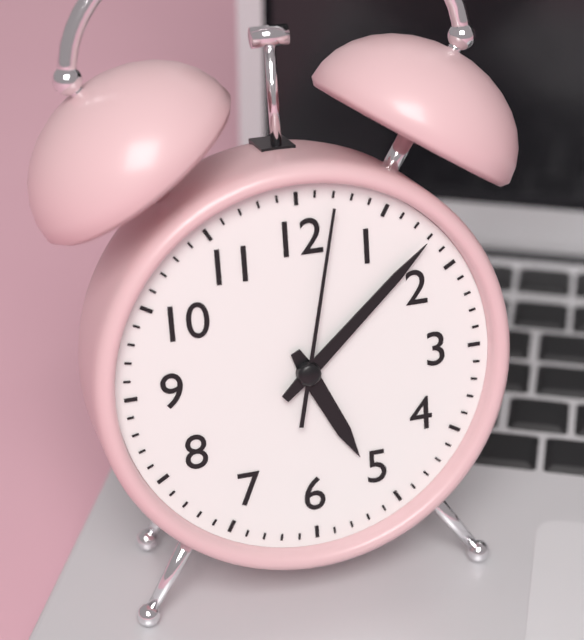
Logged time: 5 h 08 min 02 s
